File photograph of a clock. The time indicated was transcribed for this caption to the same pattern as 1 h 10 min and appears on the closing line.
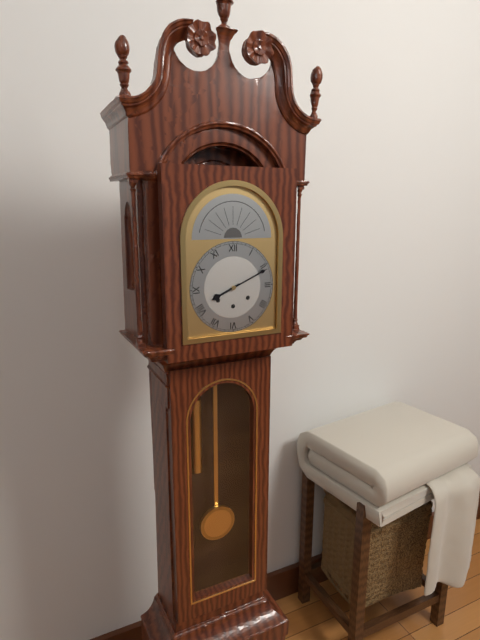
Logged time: 8 h 11 min
